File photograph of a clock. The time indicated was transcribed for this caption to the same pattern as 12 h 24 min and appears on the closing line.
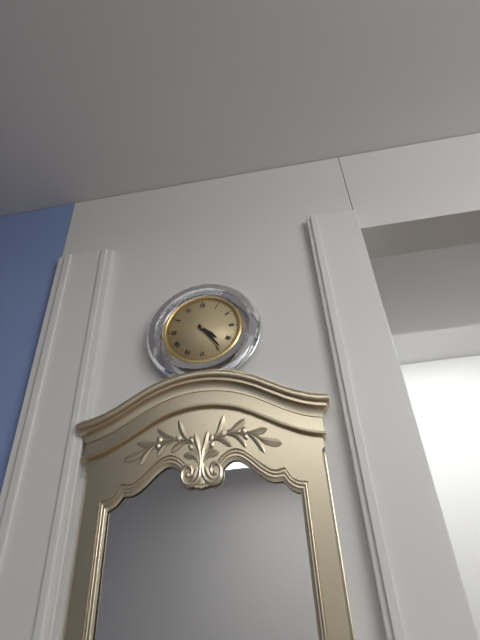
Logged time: 4 h 24 min
